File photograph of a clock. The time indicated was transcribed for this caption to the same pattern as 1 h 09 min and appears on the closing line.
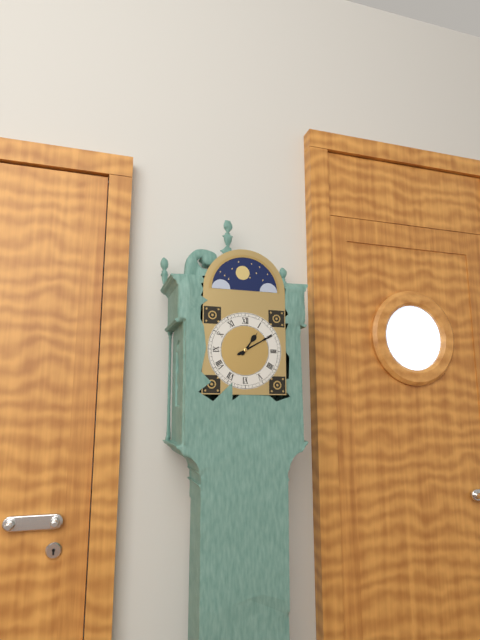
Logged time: 1 h 10 min
